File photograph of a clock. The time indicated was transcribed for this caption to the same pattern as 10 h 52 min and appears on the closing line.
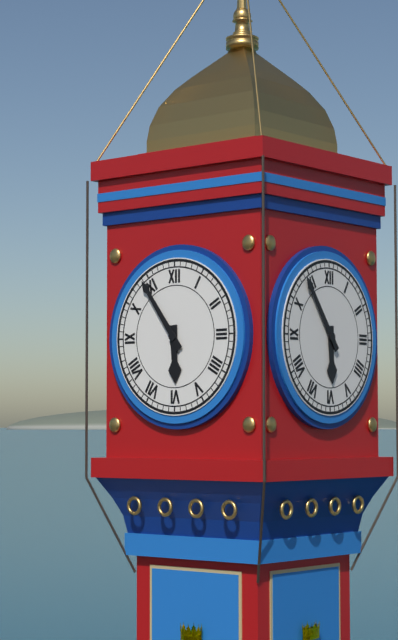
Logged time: 5 h 54 min
